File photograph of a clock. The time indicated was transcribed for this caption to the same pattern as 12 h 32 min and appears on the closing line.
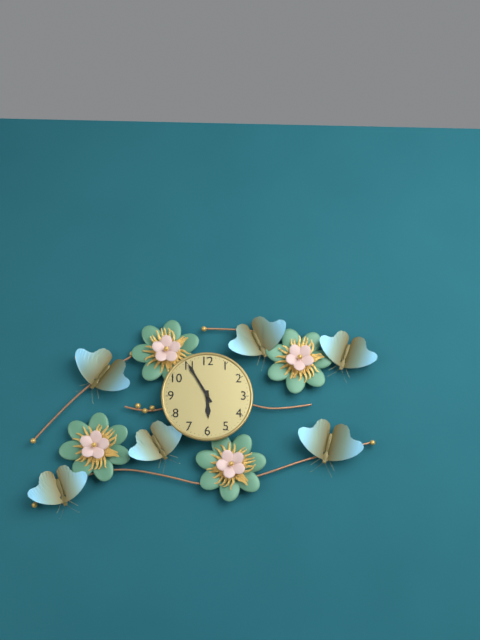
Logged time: 5 h 55 min
